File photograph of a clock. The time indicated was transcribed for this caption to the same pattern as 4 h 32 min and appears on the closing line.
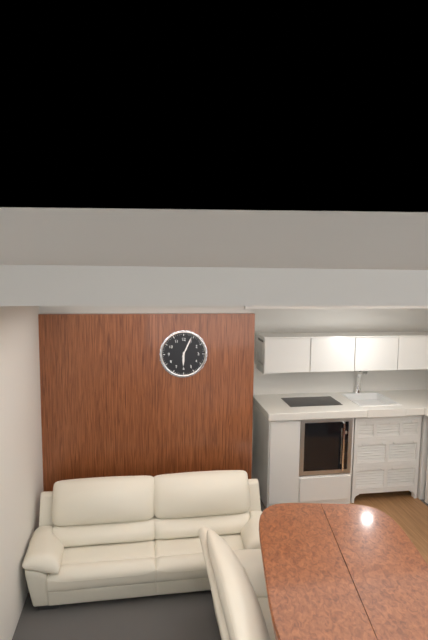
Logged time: 6 h 04 min
